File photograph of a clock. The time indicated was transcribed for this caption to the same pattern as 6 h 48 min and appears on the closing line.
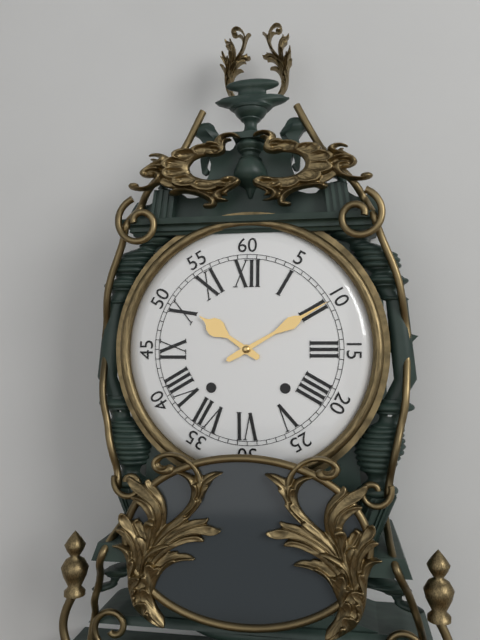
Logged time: 10 h 10 min
